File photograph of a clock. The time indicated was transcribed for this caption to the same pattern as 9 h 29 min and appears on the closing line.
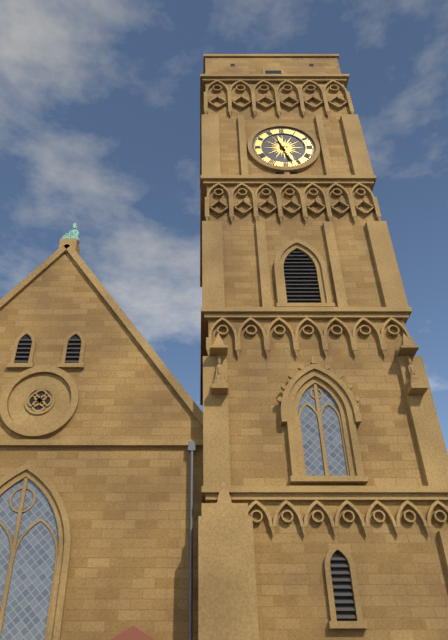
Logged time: 11 h 27 min
